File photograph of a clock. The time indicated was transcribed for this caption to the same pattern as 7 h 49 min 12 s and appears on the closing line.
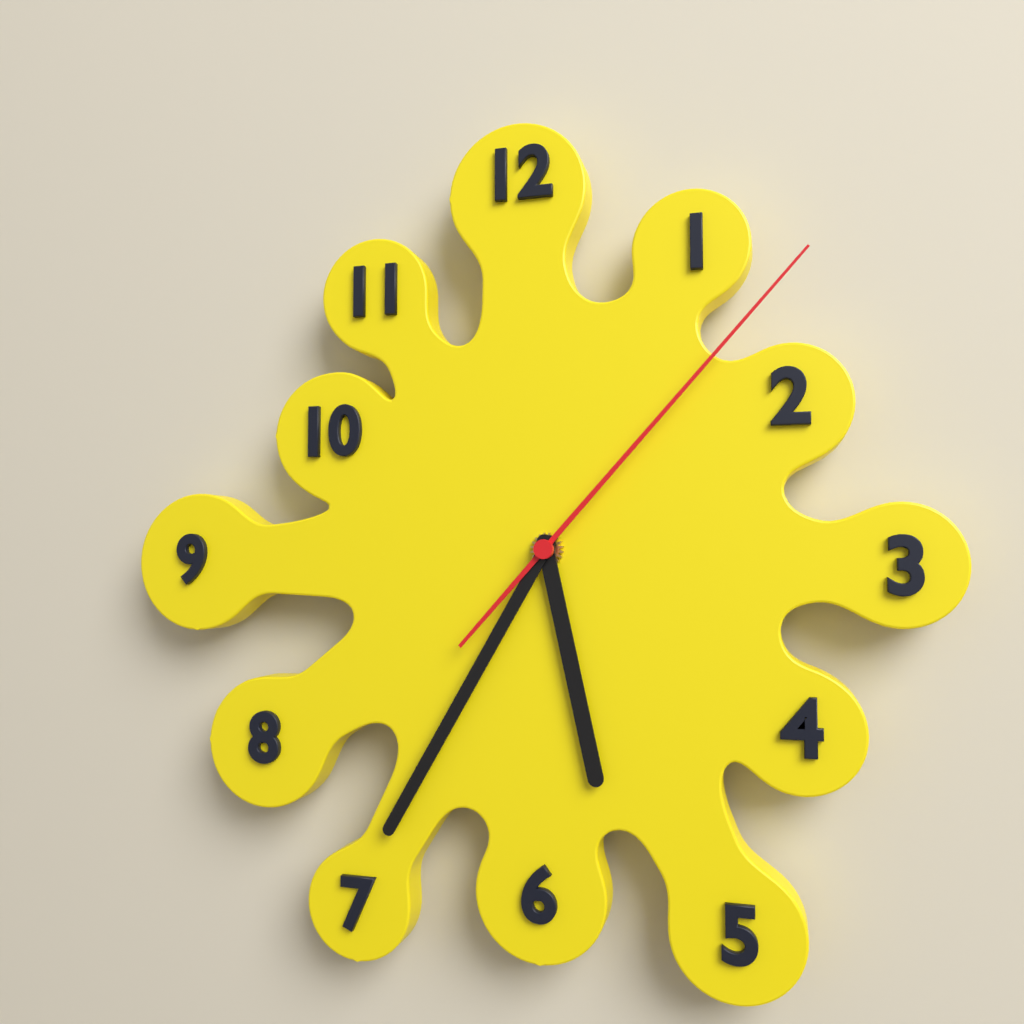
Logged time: 5 h 35 min 07 s
